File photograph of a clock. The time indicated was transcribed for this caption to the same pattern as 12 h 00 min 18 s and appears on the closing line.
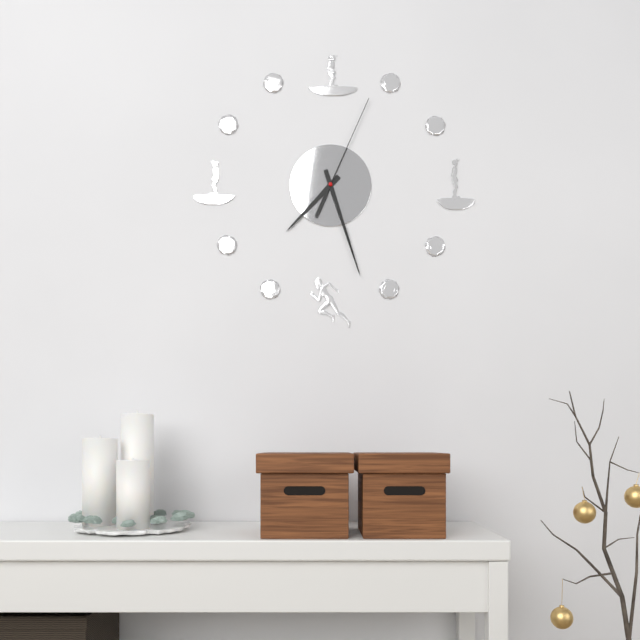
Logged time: 7 h 27 min 04 s
